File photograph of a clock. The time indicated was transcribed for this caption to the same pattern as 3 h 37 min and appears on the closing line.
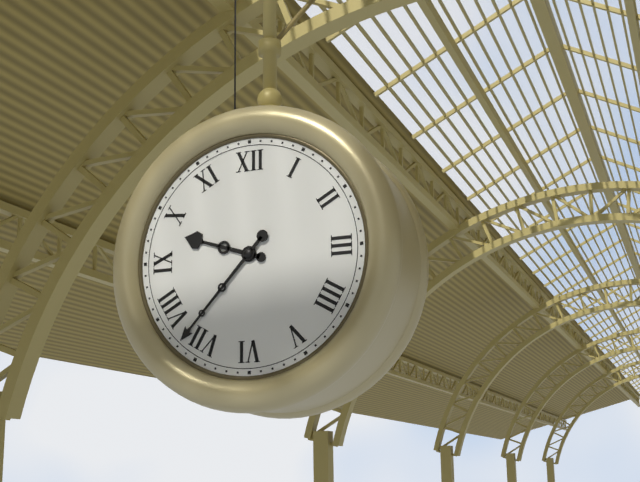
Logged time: 9 h 37 min
